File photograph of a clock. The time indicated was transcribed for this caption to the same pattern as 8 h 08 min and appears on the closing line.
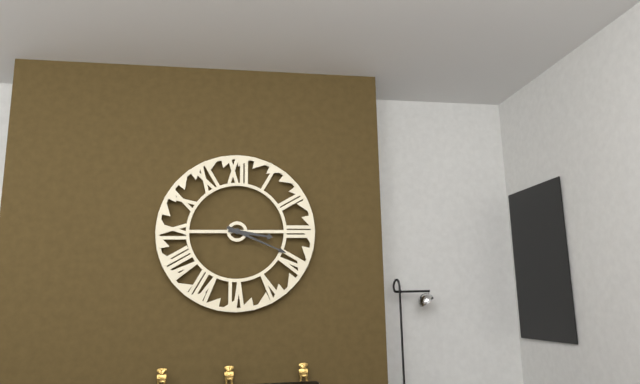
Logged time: 3 h 19 min
